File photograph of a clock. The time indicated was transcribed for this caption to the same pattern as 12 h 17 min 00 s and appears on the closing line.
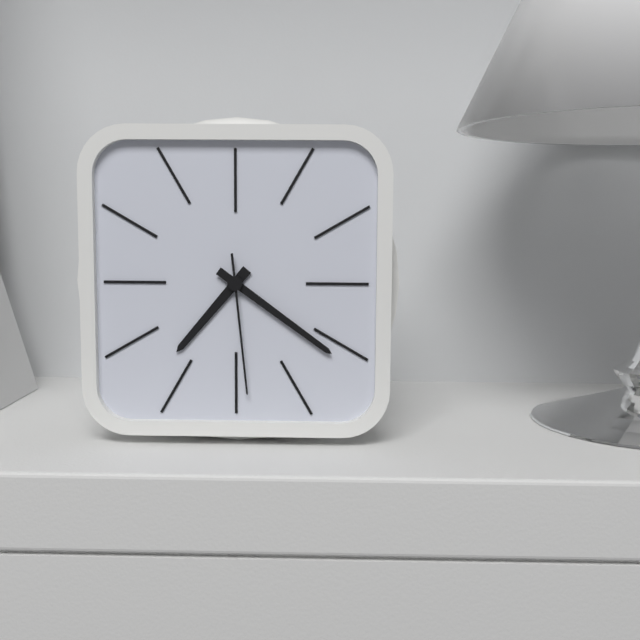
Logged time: 7 h 21 min 29 s
